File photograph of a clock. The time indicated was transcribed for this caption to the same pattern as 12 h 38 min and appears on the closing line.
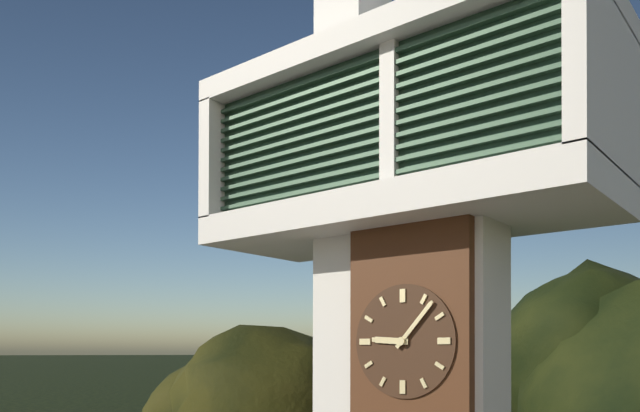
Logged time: 9 h 07 min
